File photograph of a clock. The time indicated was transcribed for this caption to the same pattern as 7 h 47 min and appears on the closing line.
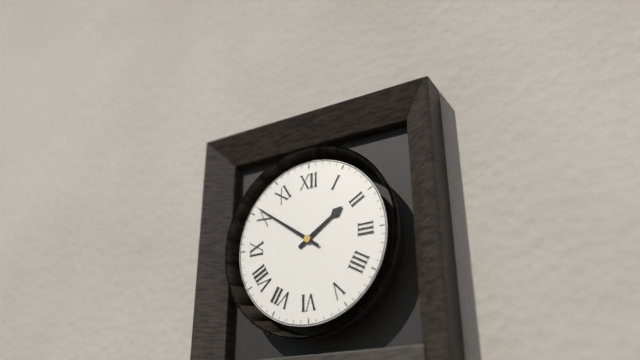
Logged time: 1 h 51 min
